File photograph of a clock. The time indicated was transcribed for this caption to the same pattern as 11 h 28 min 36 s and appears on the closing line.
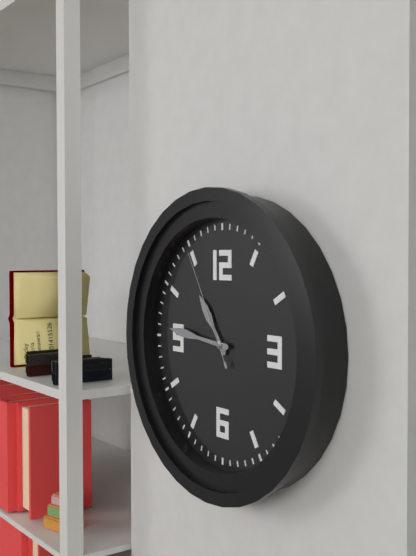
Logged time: 10 h 46 min 55 s
